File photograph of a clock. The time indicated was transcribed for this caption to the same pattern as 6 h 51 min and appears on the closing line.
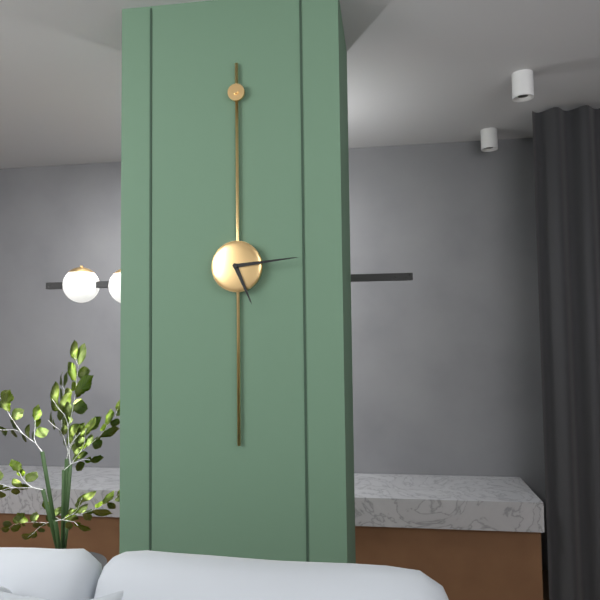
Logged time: 5 h 14 min
